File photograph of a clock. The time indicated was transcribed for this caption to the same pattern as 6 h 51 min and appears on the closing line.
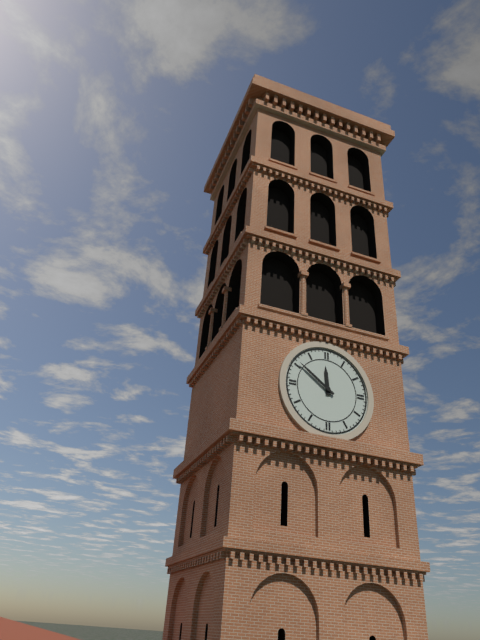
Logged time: 11 h 51 min
